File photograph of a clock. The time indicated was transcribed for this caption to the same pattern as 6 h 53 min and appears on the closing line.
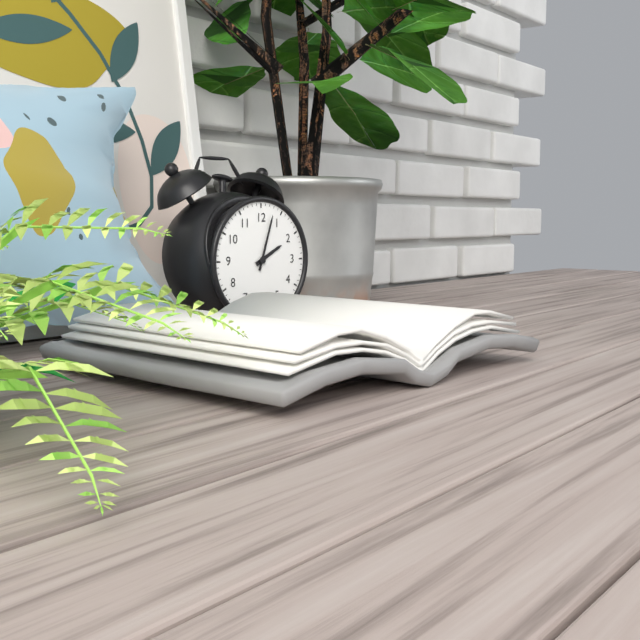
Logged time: 2 h 03 min
